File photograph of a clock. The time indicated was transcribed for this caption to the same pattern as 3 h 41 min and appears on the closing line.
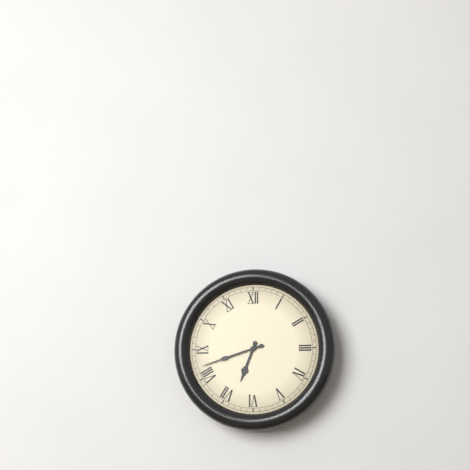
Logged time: 6 h 42 min
